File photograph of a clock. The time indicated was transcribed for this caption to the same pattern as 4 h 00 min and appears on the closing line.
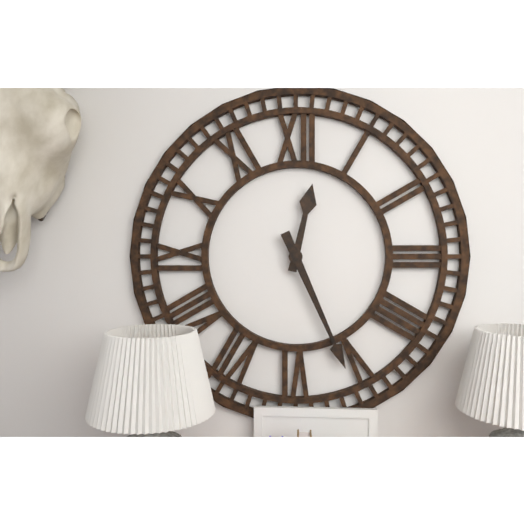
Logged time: 12 h 26 min
